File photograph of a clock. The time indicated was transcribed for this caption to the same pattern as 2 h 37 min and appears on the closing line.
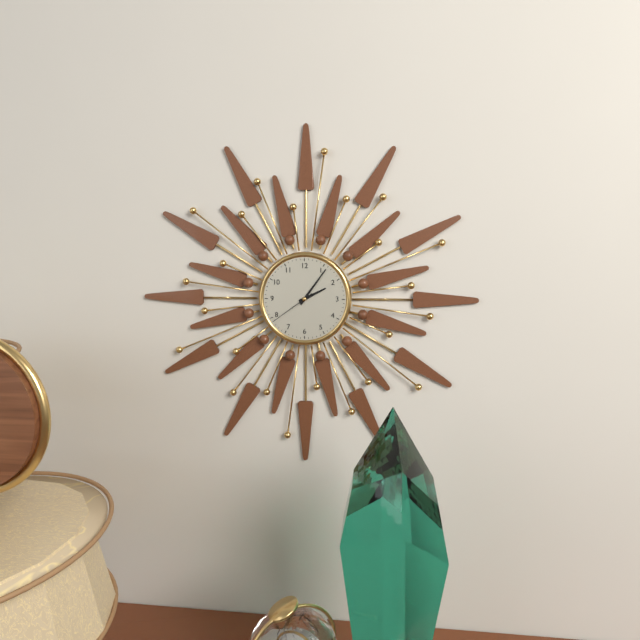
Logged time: 2 h 06 min
